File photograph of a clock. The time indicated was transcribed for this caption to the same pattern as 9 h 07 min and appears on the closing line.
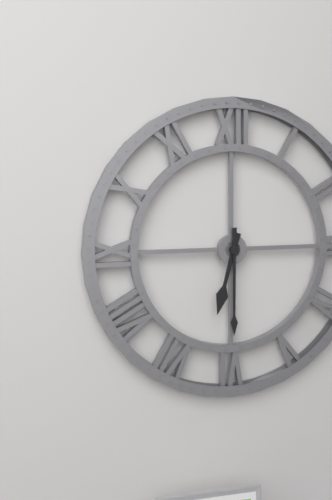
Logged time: 6 h 30 min
